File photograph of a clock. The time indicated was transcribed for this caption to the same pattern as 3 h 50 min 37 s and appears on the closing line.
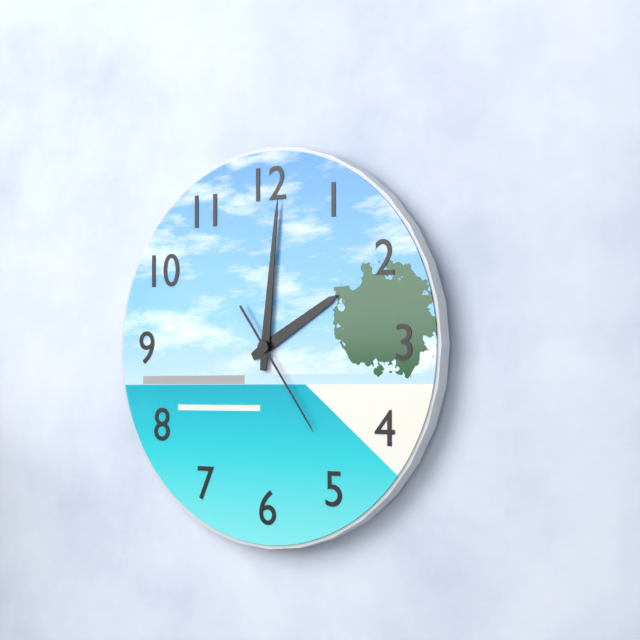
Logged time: 2 h 01 min 24 s
